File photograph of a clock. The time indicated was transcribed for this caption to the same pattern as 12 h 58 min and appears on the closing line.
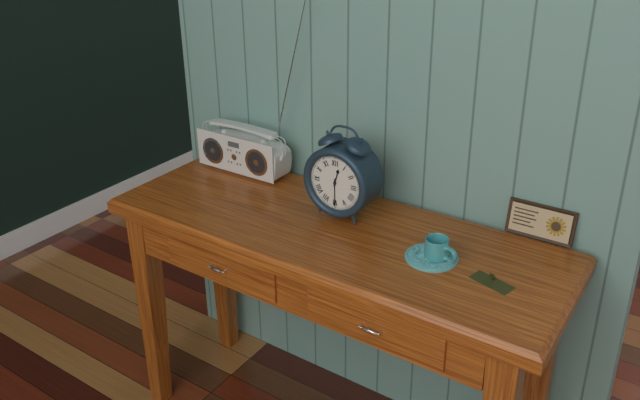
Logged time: 12 h 30 min
